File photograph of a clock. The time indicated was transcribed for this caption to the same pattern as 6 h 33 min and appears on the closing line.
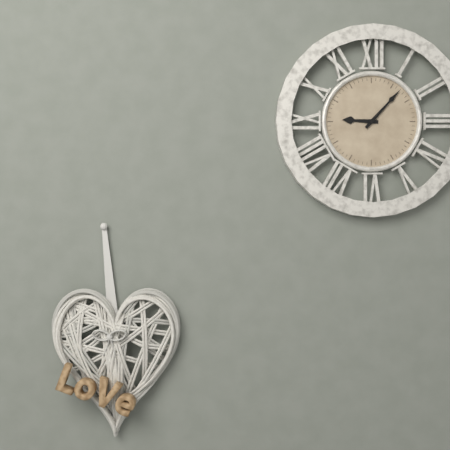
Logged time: 9 h 07 min
